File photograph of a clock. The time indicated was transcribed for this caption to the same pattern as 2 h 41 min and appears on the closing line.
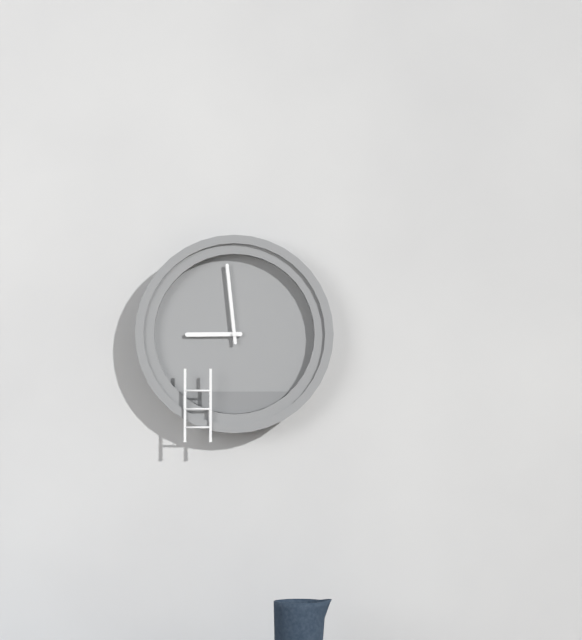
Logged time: 8 h 59 min
